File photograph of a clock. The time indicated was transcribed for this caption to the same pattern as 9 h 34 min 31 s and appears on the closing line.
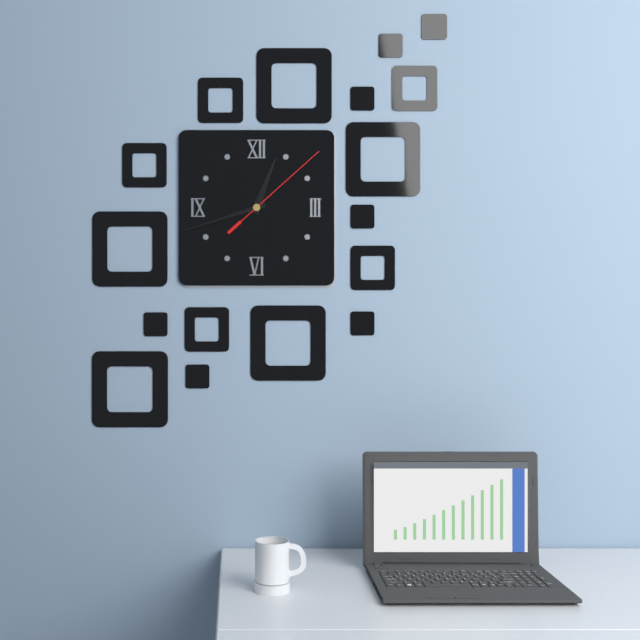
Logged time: 12 h 42 min 08 s
